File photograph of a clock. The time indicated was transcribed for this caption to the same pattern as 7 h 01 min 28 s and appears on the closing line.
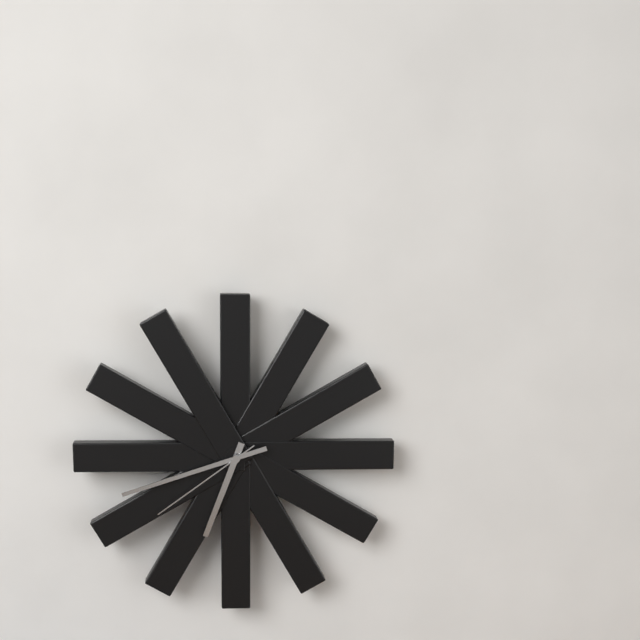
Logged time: 6 h 42 min 39 s
